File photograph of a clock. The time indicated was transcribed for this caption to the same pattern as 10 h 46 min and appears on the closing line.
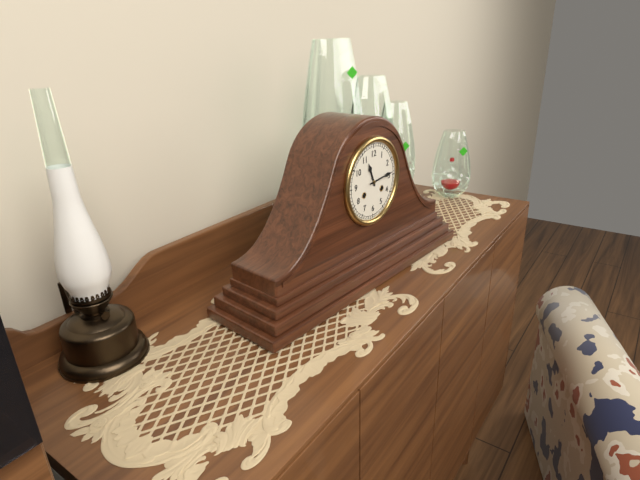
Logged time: 11 h 14 min
